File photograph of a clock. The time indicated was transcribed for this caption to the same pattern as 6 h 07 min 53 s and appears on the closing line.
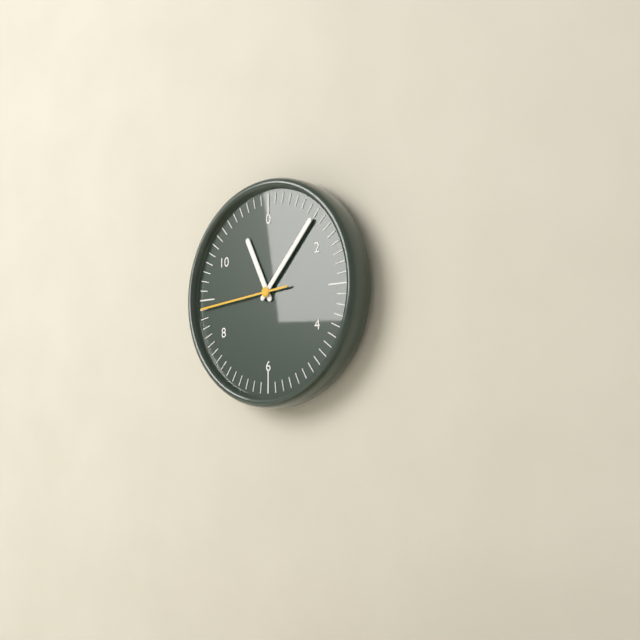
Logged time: 11 h 07 min 44 s
